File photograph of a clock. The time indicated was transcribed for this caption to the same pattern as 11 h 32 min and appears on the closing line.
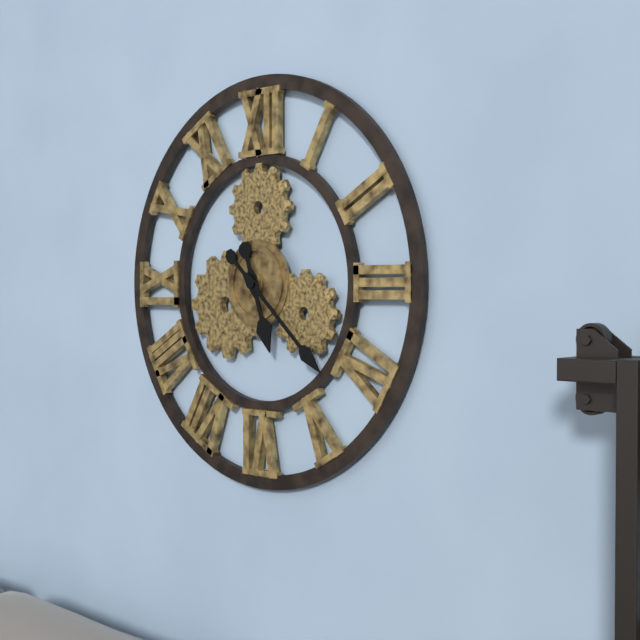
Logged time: 5 h 22 min
